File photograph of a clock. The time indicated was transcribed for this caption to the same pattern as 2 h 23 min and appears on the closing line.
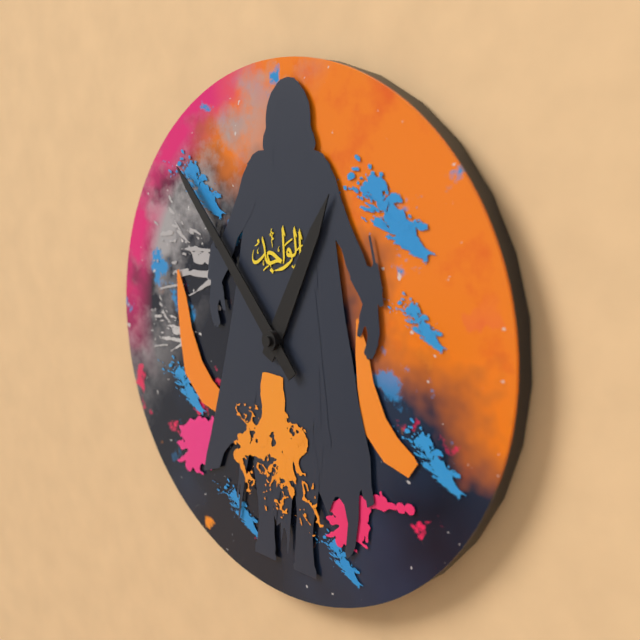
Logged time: 12 h 53 min
